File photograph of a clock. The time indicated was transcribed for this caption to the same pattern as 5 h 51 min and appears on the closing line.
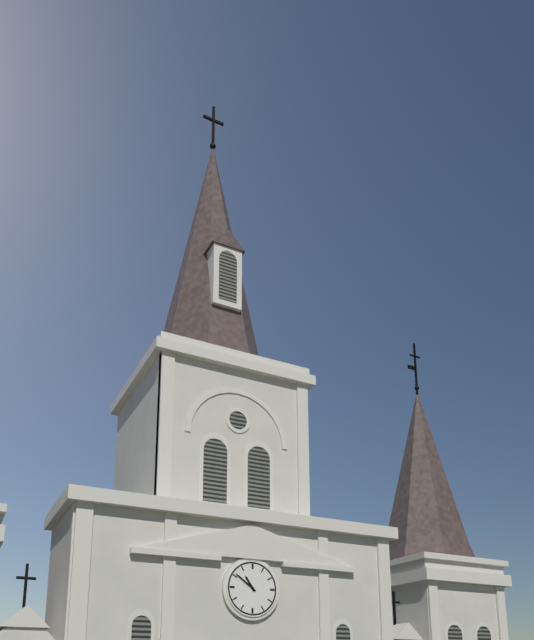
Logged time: 10 h 51 min
